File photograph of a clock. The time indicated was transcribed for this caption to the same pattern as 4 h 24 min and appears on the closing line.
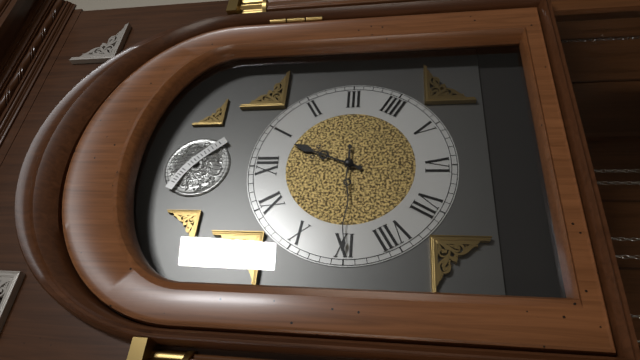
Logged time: 12 h 45 min
